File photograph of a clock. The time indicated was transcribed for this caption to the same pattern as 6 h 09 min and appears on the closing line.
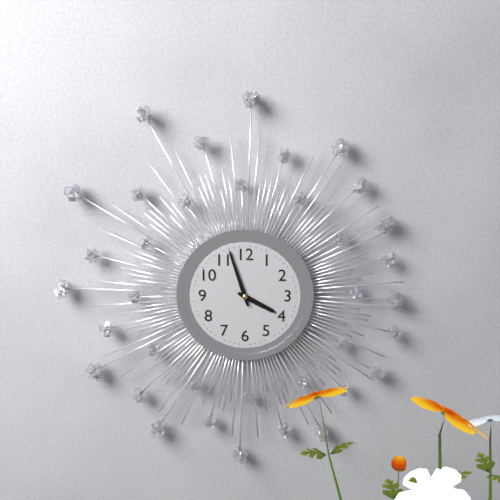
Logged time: 3 h 57 min
